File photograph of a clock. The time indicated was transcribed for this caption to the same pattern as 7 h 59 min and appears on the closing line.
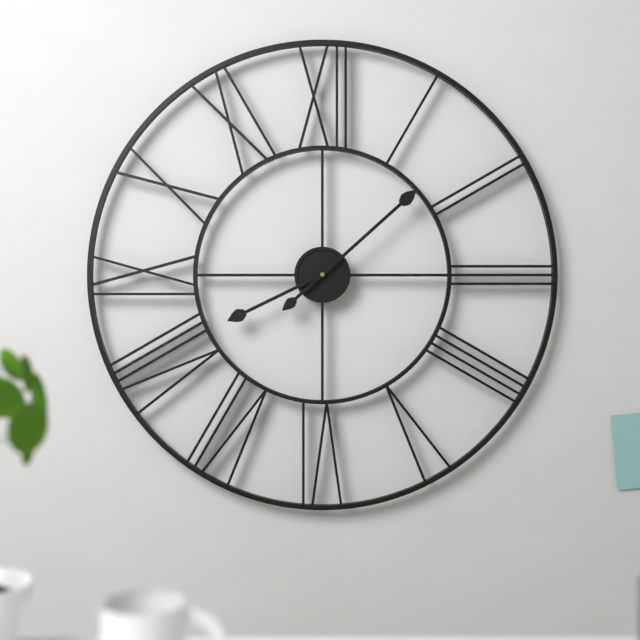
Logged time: 8 h 08 min
